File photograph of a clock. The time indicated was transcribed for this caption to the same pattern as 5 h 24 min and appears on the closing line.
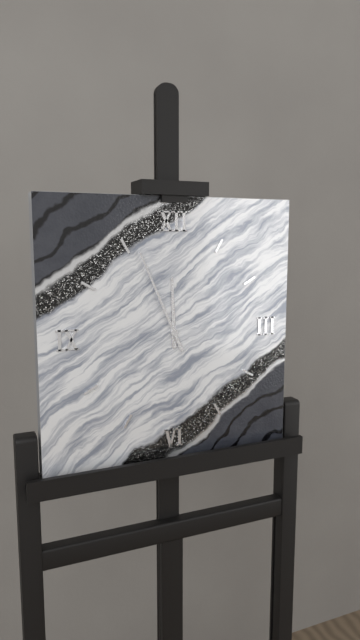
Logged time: 11 h 56 min
